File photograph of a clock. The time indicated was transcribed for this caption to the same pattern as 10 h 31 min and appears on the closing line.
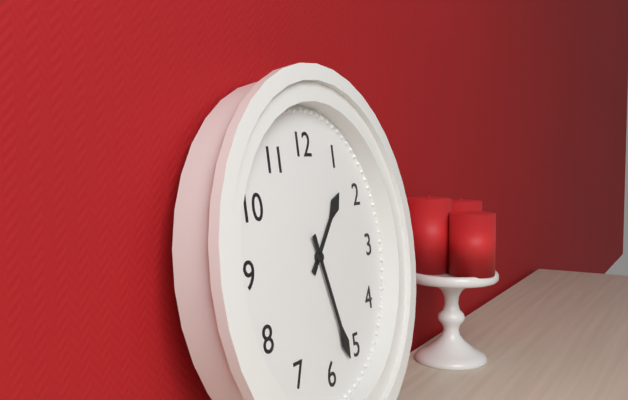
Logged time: 1 h 27 min
